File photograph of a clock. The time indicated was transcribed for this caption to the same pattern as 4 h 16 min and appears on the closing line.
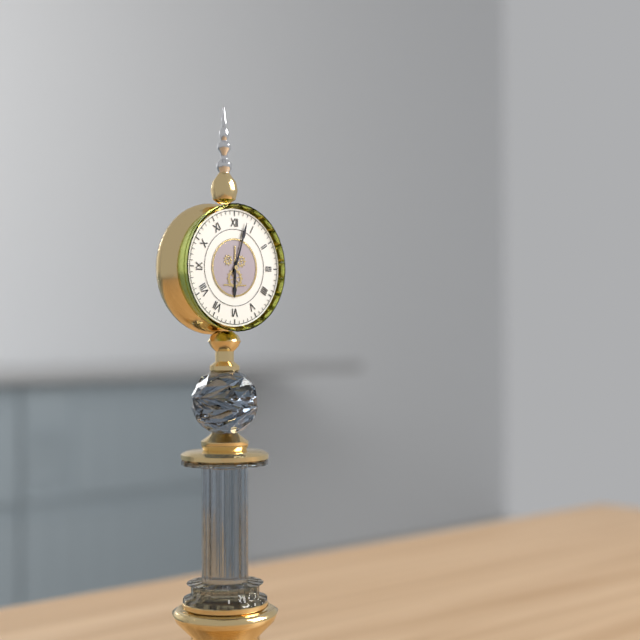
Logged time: 6 h 03 min
